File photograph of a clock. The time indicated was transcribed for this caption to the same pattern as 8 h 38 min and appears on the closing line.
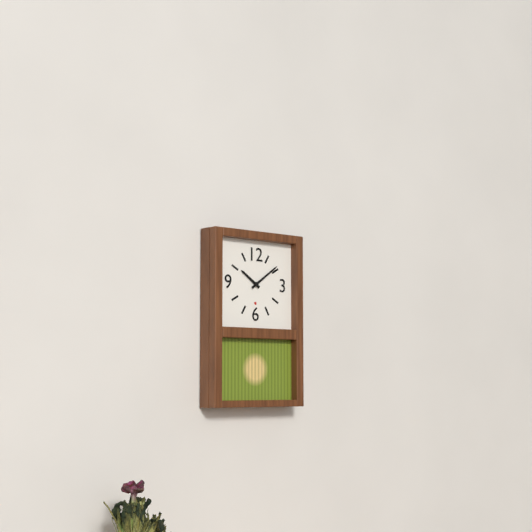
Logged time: 10 h 09 min
